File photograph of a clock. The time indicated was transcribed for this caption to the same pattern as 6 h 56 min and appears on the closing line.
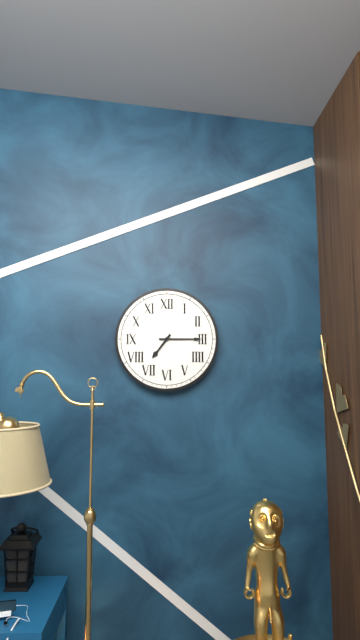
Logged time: 7 h 15 min
